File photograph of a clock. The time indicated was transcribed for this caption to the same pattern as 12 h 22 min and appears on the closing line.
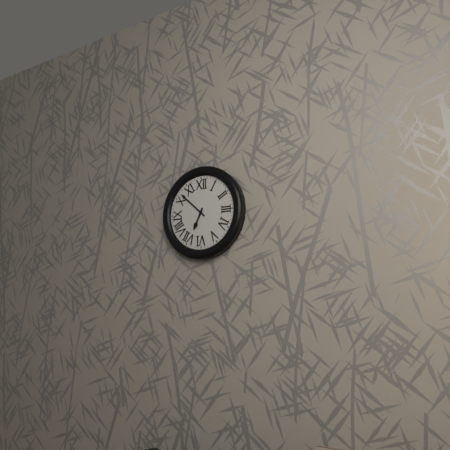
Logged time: 6 h 52 min
